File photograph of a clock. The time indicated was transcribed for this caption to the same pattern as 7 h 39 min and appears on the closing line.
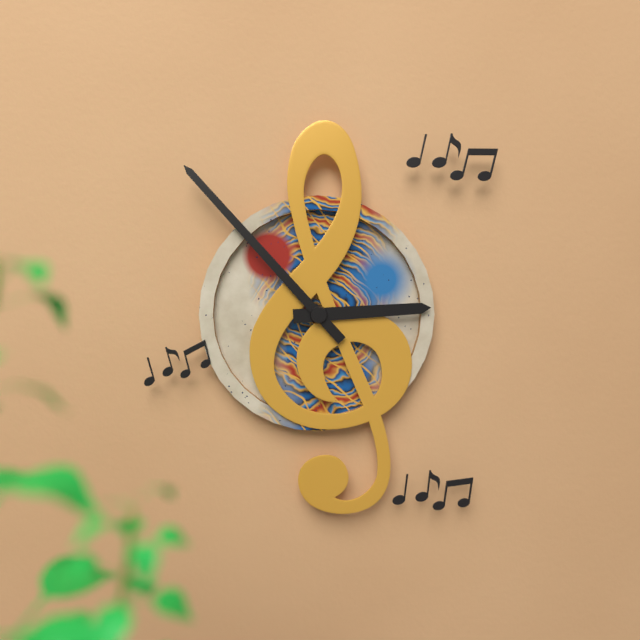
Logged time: 2 h 53 min
